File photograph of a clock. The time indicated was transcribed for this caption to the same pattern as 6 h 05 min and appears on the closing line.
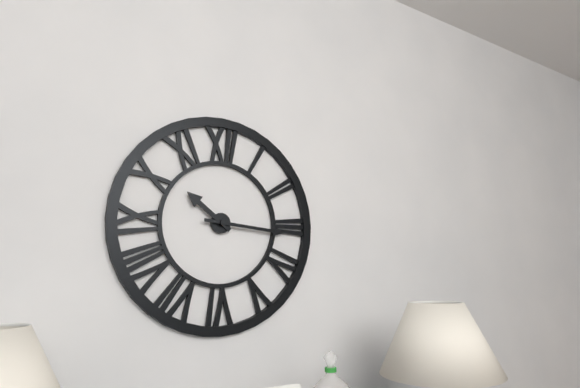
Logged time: 10 h 16 min
